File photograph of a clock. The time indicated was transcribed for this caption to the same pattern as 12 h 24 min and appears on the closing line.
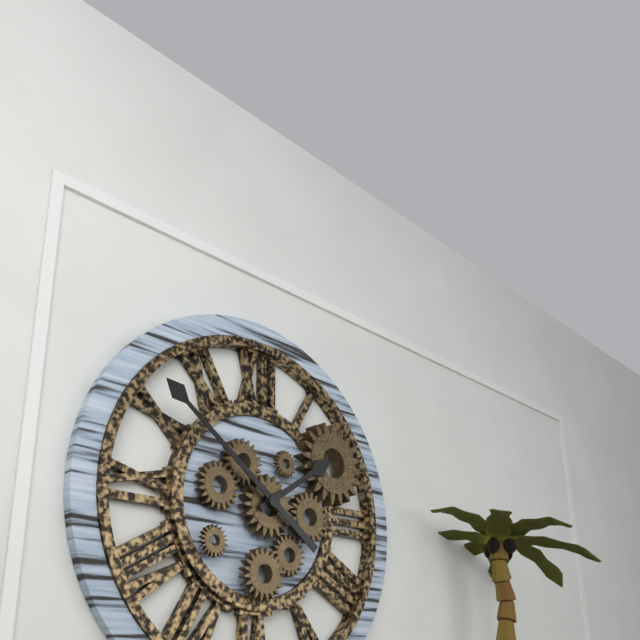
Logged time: 1 h 51 min
